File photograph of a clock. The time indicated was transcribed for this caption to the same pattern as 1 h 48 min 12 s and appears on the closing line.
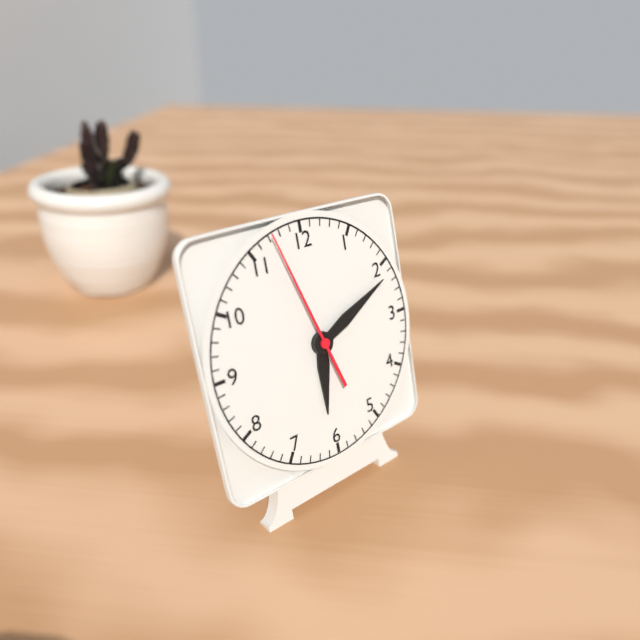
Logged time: 6 h 11 min 57 s
